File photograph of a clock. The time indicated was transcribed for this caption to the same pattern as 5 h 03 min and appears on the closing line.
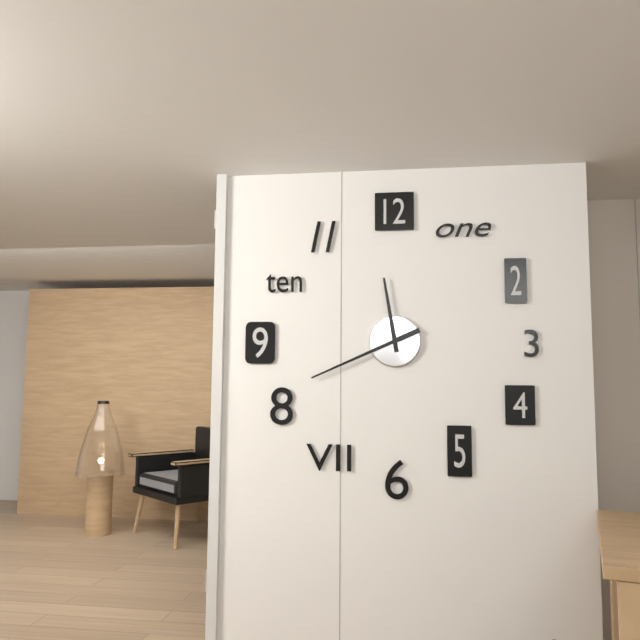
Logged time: 11 h 41 min
